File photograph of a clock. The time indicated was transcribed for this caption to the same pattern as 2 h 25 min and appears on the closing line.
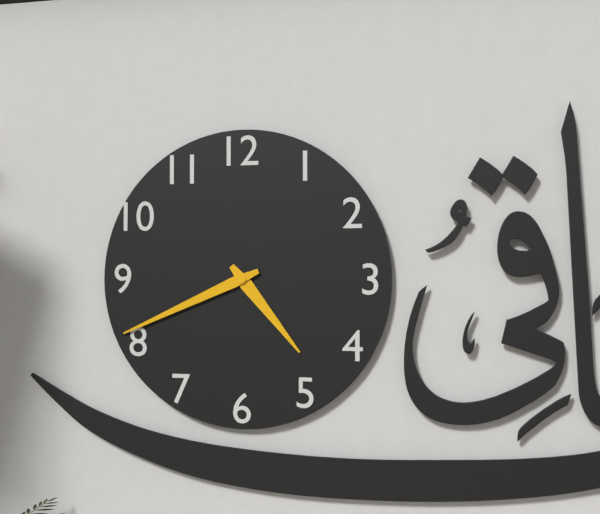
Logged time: 4 h 41 min
